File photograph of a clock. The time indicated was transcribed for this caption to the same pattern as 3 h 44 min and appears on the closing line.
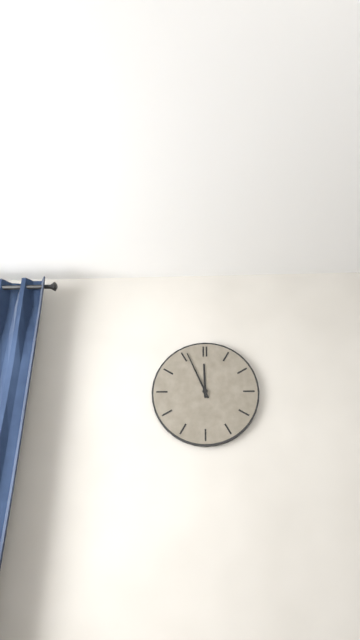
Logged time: 11 h 56 min
